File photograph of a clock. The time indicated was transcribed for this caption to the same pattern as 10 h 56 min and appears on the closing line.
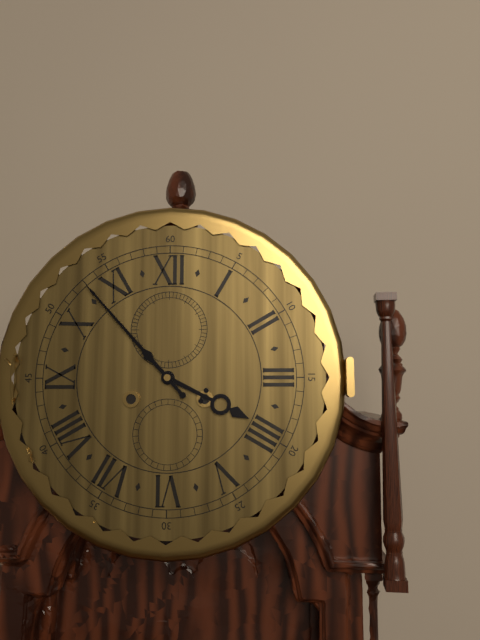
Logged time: 3 h 53 min
